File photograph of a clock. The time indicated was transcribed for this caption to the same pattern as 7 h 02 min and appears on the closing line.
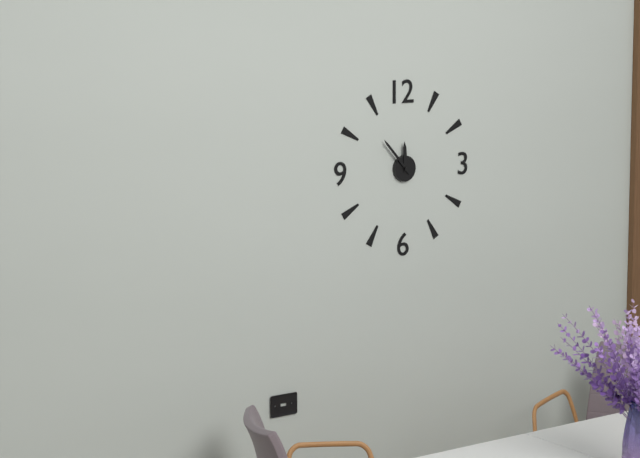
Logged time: 11 h 53 min
